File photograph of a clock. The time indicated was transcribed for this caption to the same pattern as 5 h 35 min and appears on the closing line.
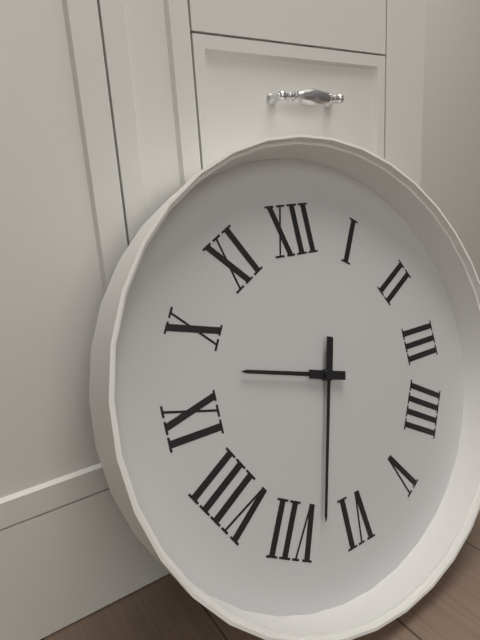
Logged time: 9 h 33 min
